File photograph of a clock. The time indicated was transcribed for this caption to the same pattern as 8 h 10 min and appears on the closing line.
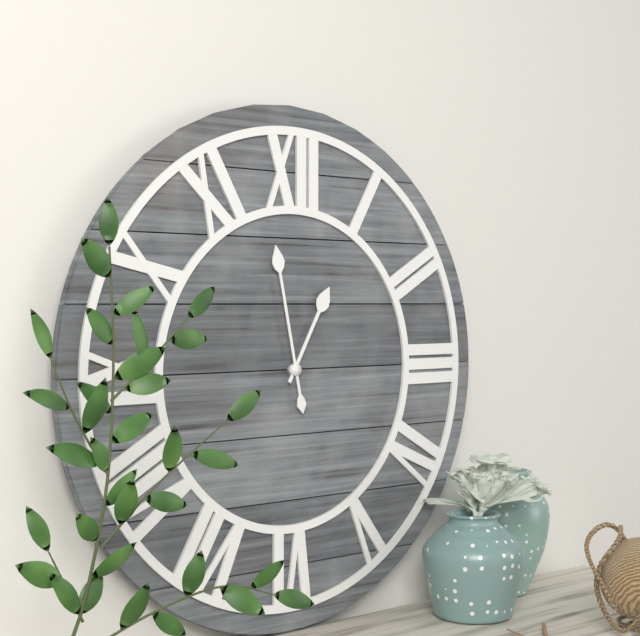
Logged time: 12 h 58 min
